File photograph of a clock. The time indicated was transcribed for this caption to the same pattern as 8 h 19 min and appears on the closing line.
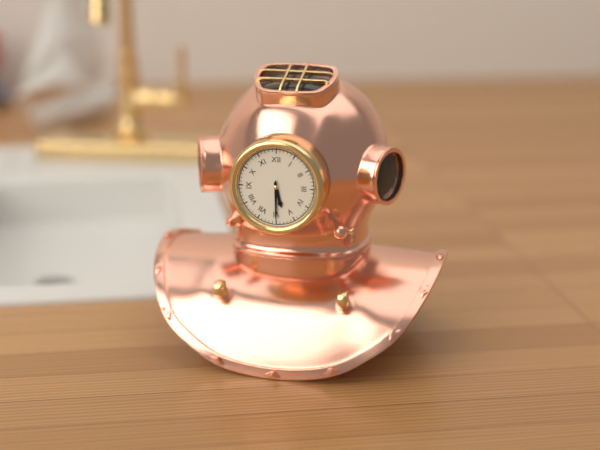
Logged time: 5 h 30 min
